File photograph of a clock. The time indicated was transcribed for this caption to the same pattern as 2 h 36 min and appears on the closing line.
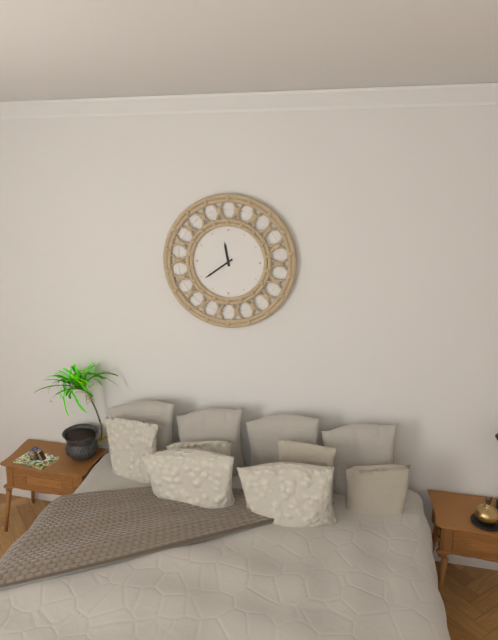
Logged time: 11 h 39 min
